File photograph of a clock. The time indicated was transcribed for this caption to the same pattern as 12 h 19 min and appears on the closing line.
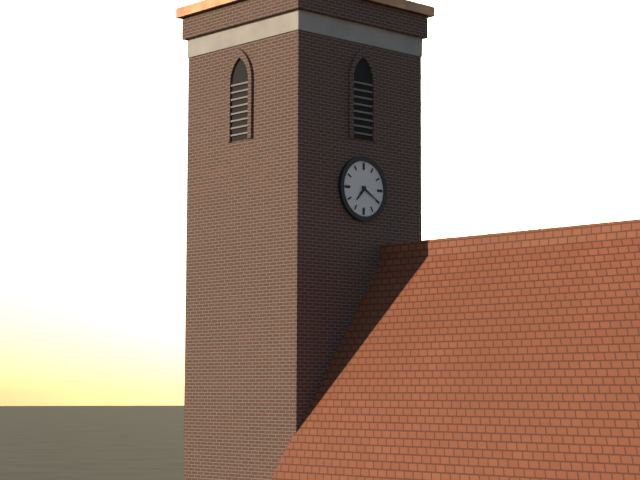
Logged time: 7 h 20 min
